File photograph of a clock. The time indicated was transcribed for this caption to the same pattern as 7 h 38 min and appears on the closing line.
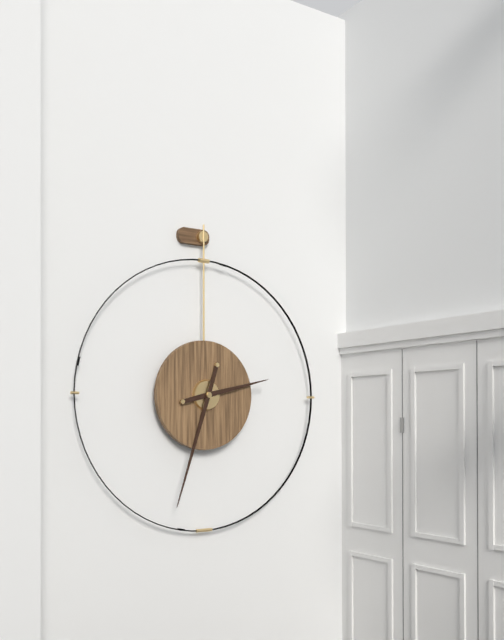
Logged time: 2 h 33 min
